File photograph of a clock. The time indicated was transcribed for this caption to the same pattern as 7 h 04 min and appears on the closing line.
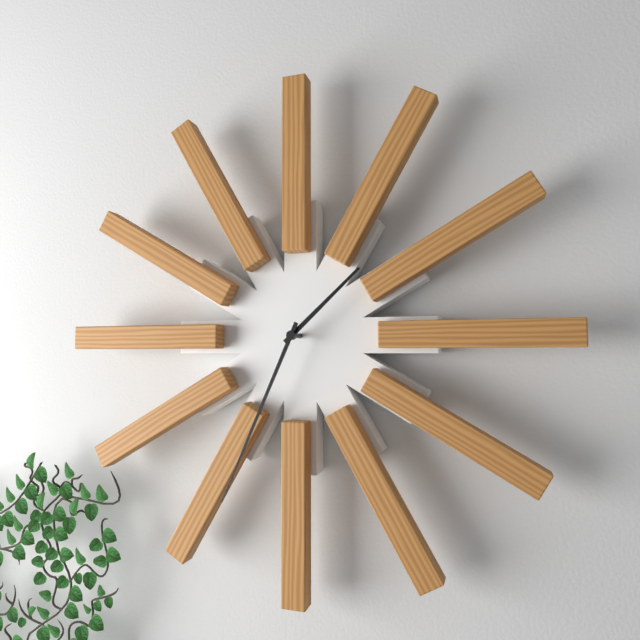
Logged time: 1 h 34 min
